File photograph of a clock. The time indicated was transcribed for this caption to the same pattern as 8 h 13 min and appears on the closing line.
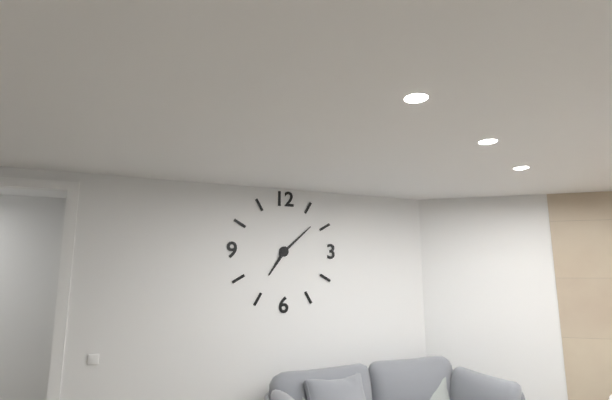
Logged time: 7 h 08 min
